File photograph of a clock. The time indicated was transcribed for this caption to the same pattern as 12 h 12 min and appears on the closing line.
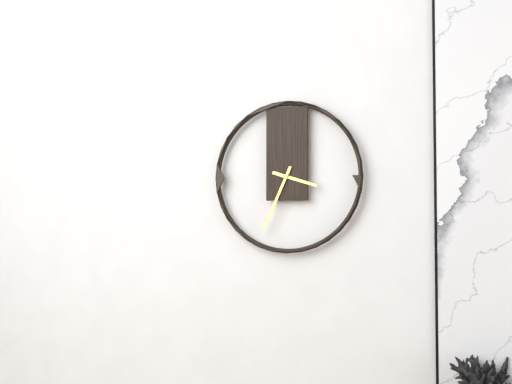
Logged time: 3 h 34 min
